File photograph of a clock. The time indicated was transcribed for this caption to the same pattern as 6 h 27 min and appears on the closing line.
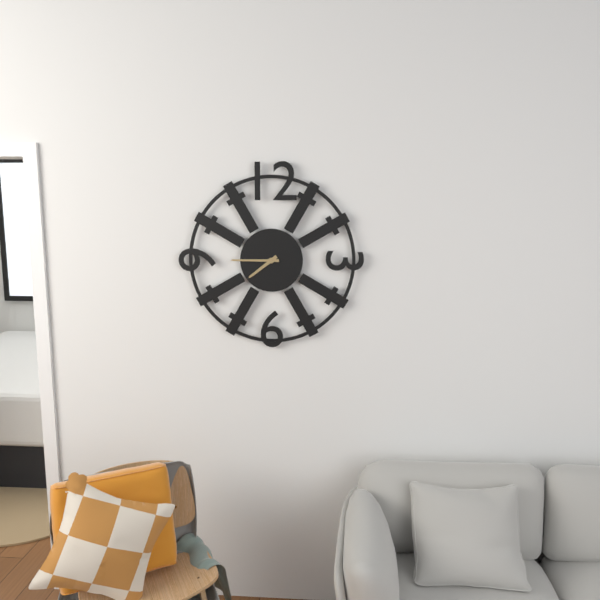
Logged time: 7 h 45 min
